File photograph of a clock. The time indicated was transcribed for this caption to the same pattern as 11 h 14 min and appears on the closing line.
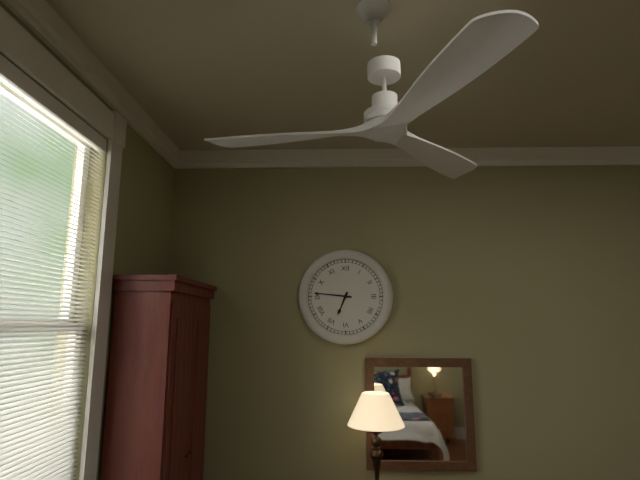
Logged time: 6 h 46 min
